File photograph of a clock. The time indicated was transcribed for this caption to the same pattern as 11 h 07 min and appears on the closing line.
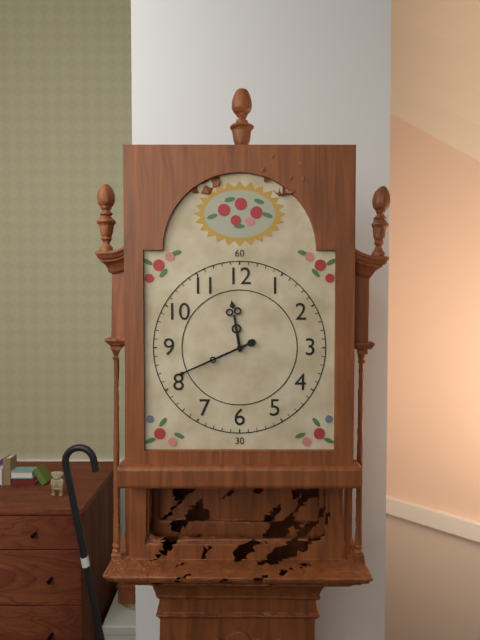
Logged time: 11 h 41 min
